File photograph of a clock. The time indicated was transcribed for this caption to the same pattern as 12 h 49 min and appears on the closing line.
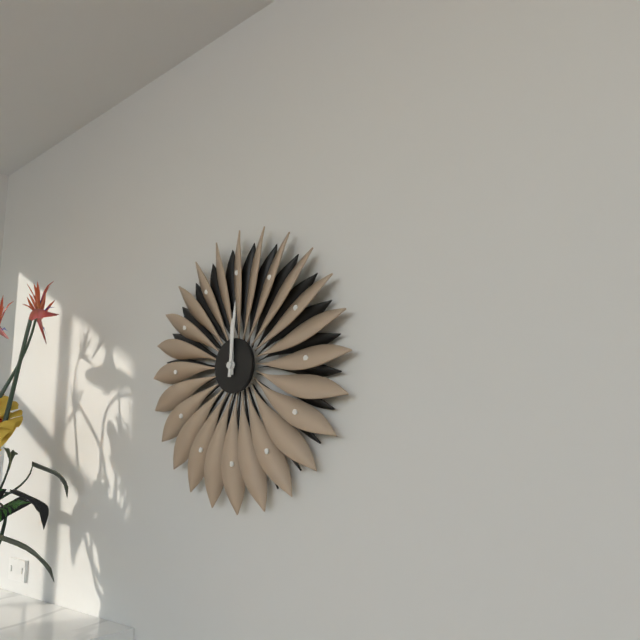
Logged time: 12 h 01 min
